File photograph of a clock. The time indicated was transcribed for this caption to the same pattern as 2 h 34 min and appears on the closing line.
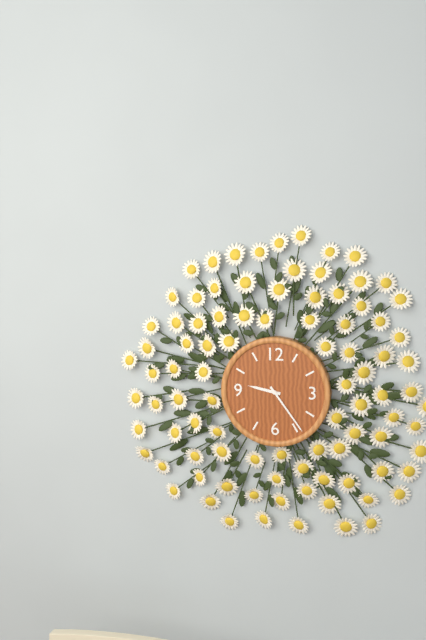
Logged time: 9 h 24 min
